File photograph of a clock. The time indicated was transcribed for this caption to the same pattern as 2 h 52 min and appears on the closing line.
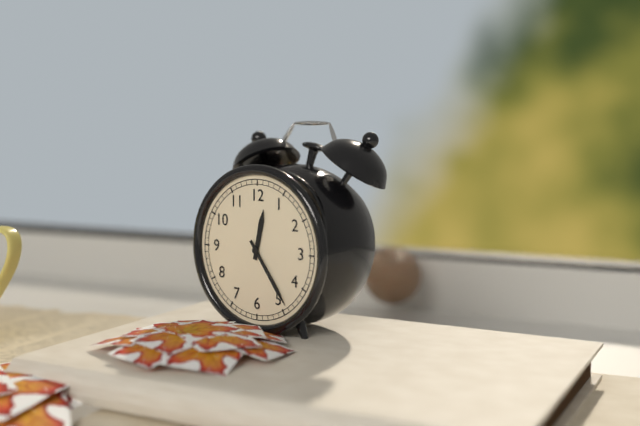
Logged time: 12 h 24 min
